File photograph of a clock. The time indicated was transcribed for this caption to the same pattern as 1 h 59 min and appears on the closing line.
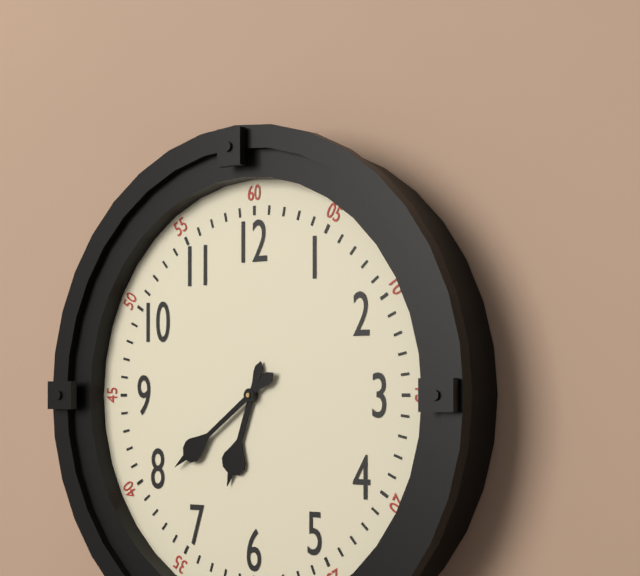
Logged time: 6 h 39 min
